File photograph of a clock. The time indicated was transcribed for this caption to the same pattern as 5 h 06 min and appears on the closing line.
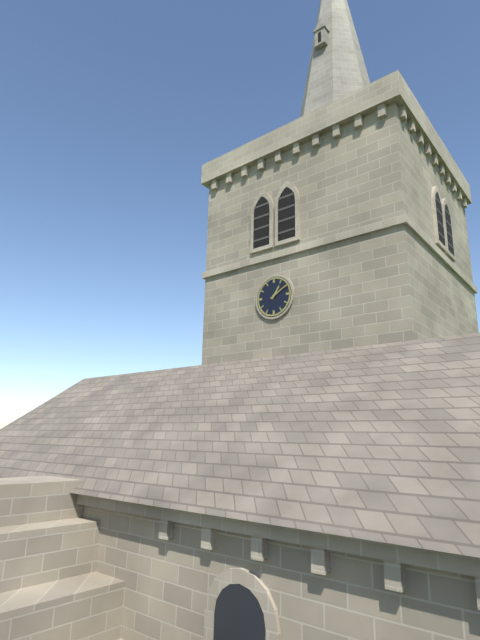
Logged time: 1 h 10 min
